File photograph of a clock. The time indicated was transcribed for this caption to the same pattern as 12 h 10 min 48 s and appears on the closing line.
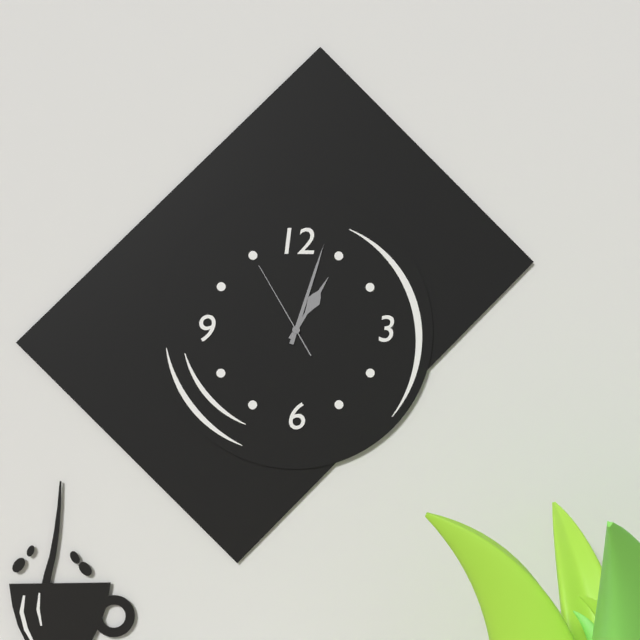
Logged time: 1 h 03 min 55 s
